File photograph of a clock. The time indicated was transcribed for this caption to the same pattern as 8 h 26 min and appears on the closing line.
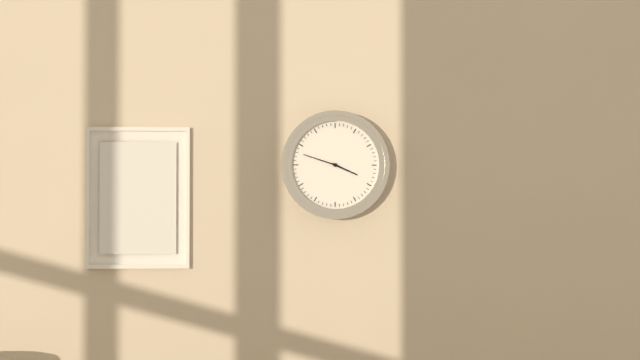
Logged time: 3 h 48 min
